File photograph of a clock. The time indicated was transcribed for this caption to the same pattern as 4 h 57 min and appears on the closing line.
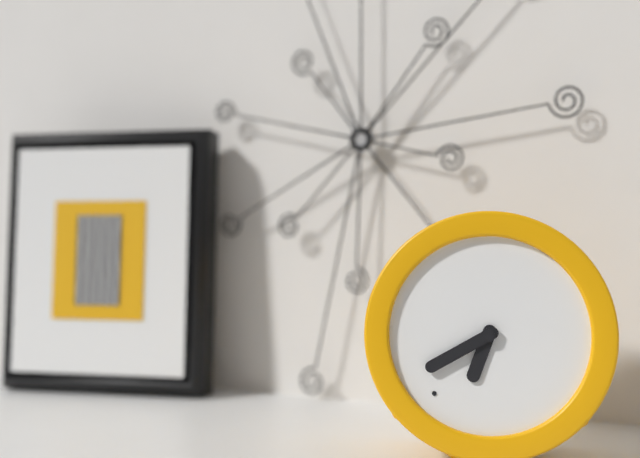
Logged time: 6 h 40 min
